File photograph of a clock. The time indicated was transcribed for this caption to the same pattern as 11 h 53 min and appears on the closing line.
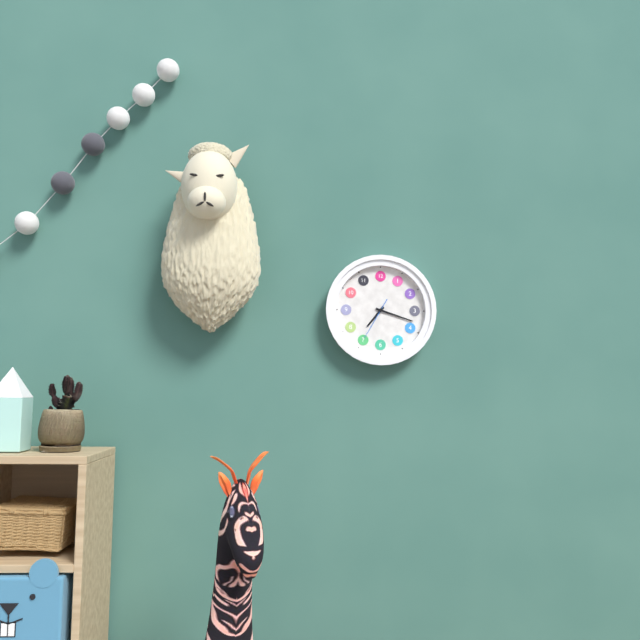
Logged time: 7 h 18 min
